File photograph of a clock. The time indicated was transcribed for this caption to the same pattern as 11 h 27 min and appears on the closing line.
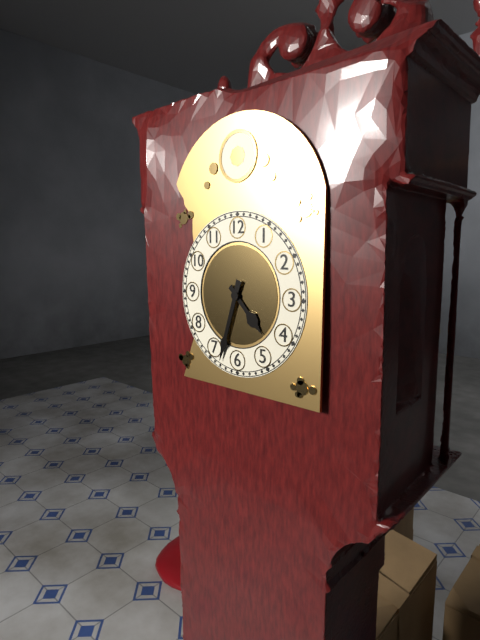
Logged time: 4 h 33 min
